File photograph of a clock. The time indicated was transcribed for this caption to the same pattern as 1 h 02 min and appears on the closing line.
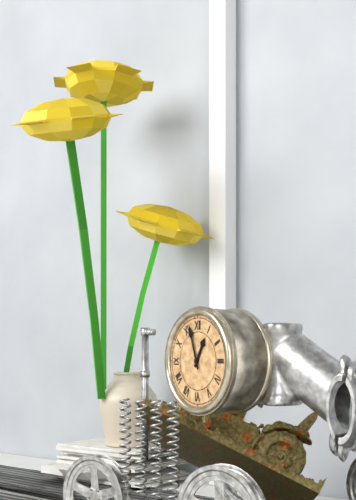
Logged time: 12 h 57 min
